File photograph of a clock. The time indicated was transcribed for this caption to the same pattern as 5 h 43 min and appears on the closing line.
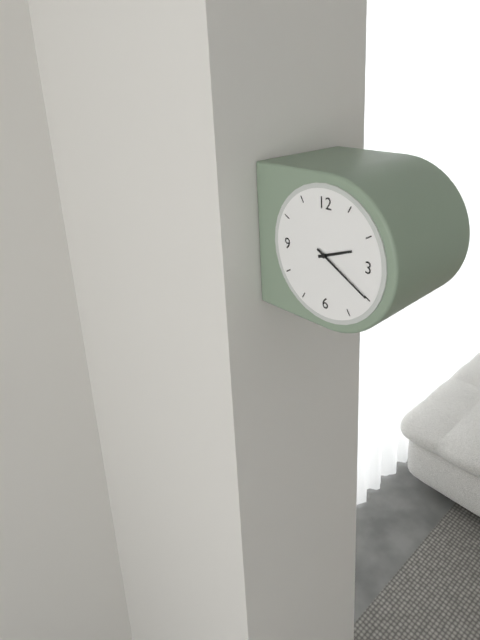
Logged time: 2 h 20 min
